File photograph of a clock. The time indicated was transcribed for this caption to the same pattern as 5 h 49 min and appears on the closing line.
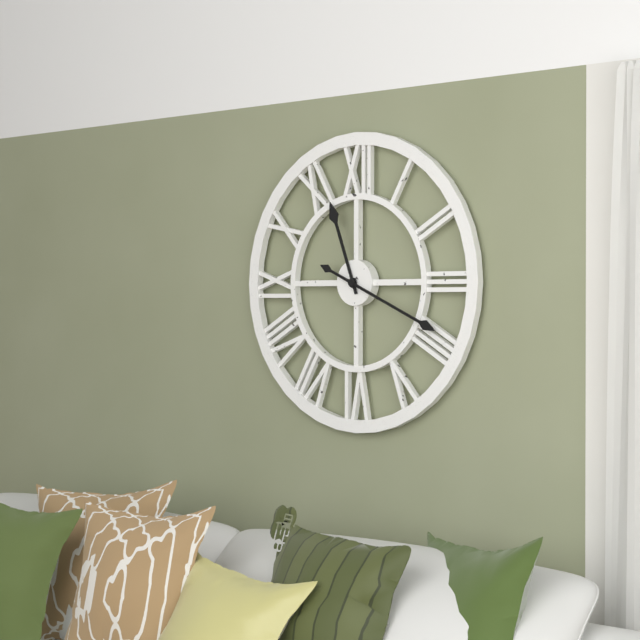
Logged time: 11 h 19 min
